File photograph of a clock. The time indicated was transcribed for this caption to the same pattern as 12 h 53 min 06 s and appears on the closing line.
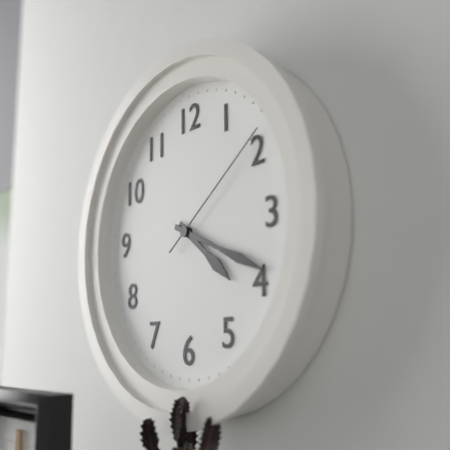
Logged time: 4 h 19 min 09 s
